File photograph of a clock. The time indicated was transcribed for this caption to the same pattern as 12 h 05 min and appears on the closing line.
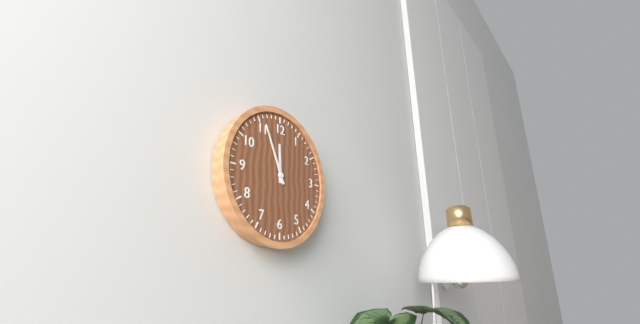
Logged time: 11 h 56 min
